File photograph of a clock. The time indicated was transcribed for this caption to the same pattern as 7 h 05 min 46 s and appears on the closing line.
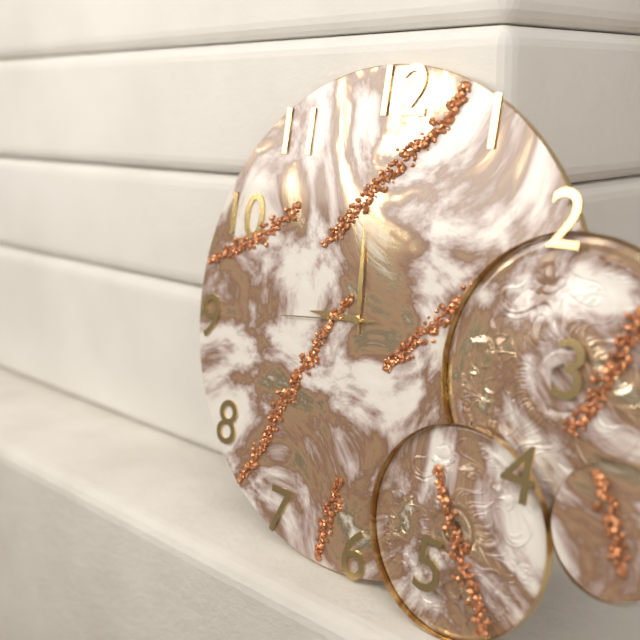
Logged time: 8 h 59 min 44 s
